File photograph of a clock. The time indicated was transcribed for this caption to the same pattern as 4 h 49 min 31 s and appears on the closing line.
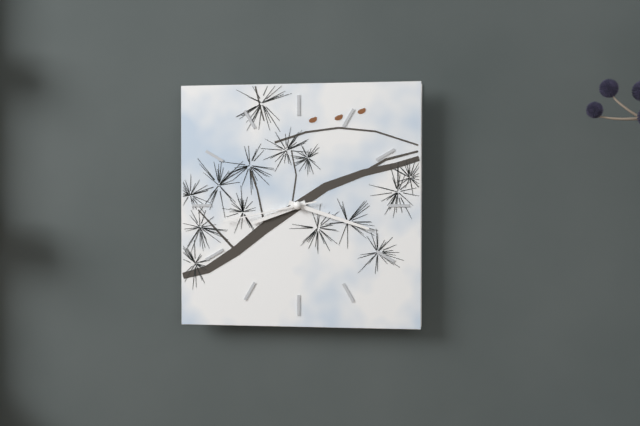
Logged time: 8 h 18 min 43 s
